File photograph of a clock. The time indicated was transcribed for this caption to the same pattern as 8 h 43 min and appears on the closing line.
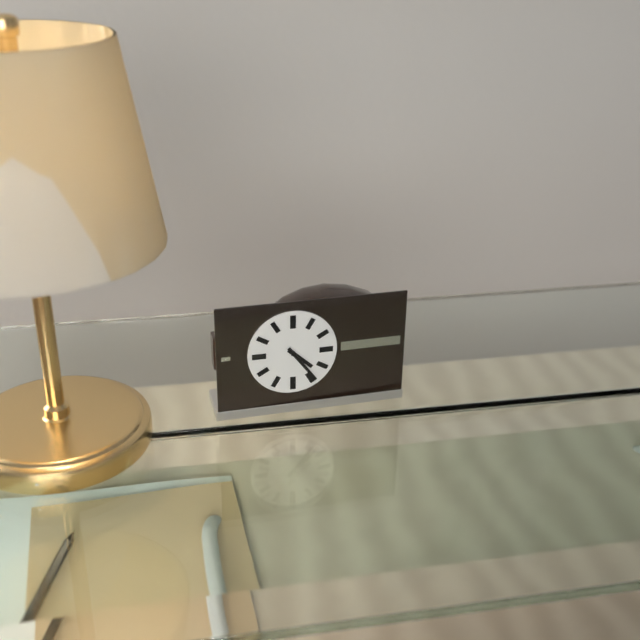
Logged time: 4 h 24 min
